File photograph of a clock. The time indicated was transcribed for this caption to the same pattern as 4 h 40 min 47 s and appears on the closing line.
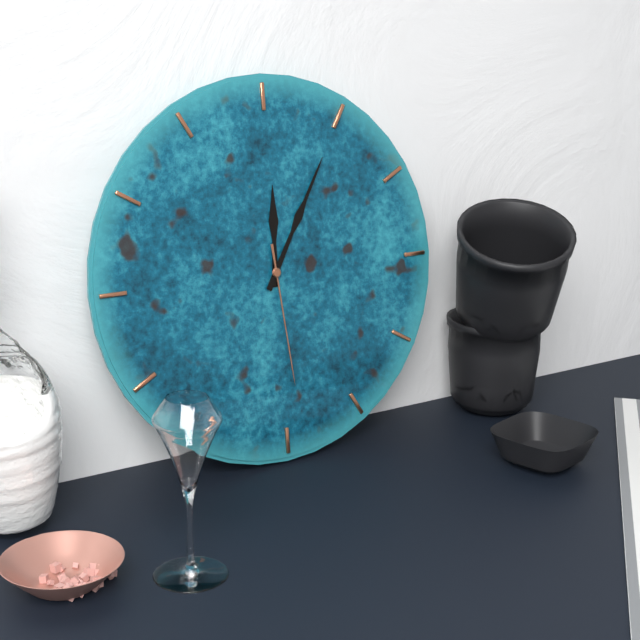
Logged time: 12 h 05 min 29 s
